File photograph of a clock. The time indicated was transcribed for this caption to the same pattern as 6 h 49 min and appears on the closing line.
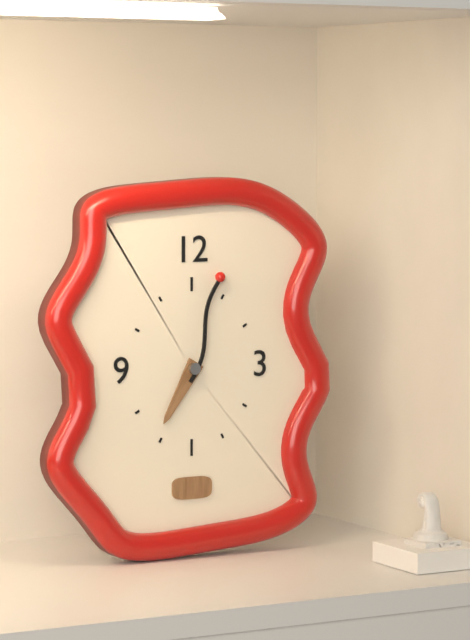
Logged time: 7 h 03 min
